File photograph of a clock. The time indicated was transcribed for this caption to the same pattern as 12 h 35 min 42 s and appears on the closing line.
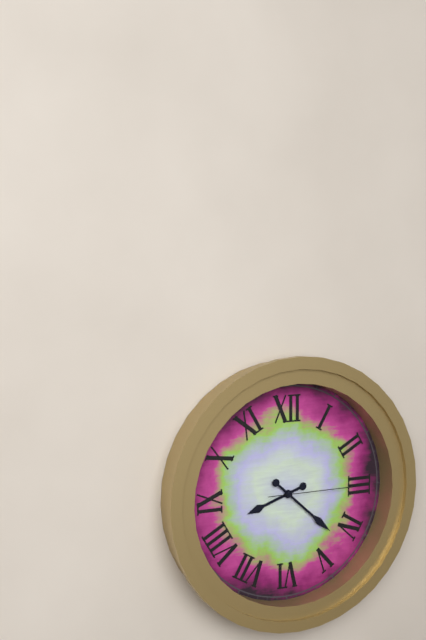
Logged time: 8 h 22 min 15 s
